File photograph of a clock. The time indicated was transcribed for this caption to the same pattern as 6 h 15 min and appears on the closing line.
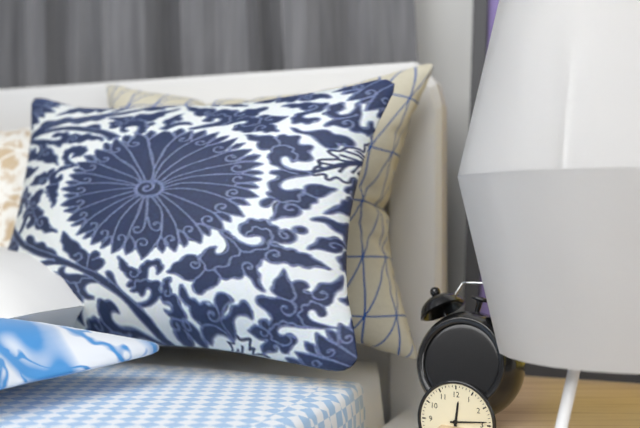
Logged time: 12 h 14 min
